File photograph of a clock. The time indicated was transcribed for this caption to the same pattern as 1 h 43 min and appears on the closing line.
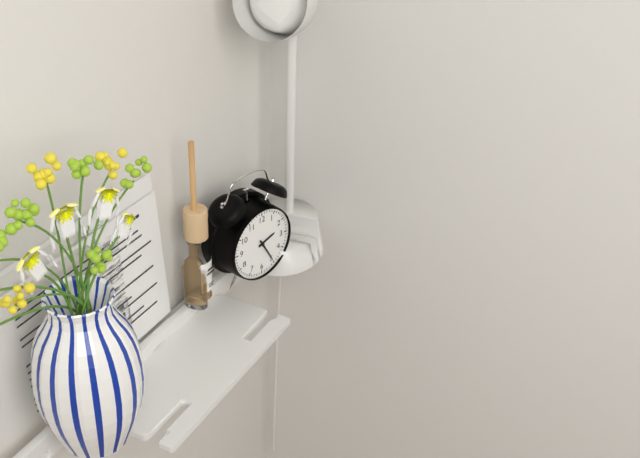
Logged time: 2 h 25 min
